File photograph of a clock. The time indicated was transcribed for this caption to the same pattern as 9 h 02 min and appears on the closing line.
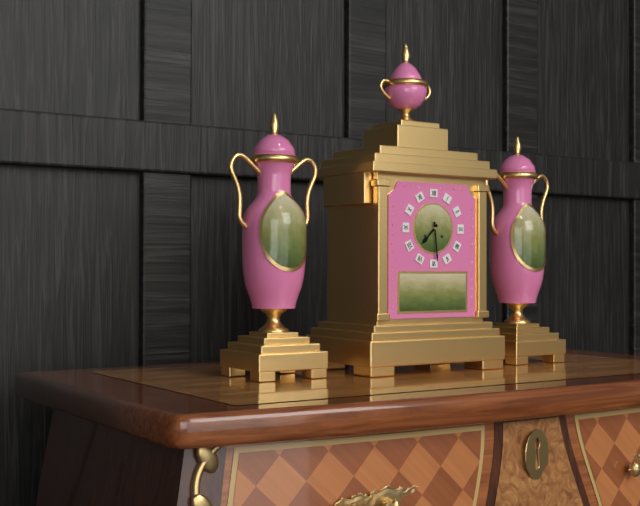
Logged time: 7 h 29 min
